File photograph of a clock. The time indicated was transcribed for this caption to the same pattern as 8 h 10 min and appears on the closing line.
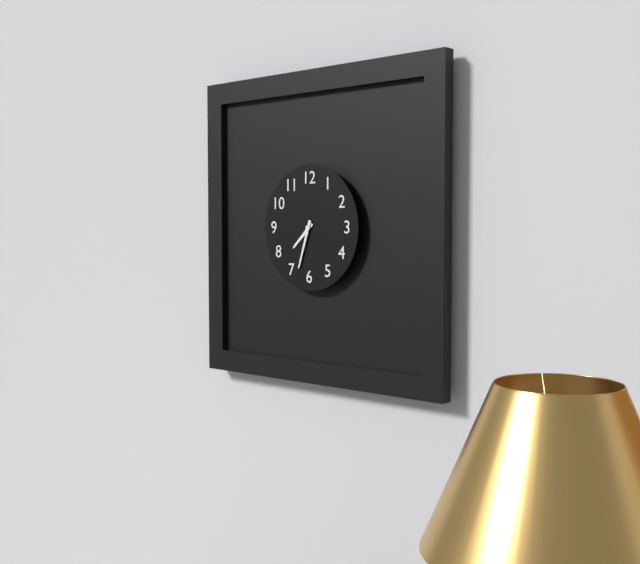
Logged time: 7 h 33 min
